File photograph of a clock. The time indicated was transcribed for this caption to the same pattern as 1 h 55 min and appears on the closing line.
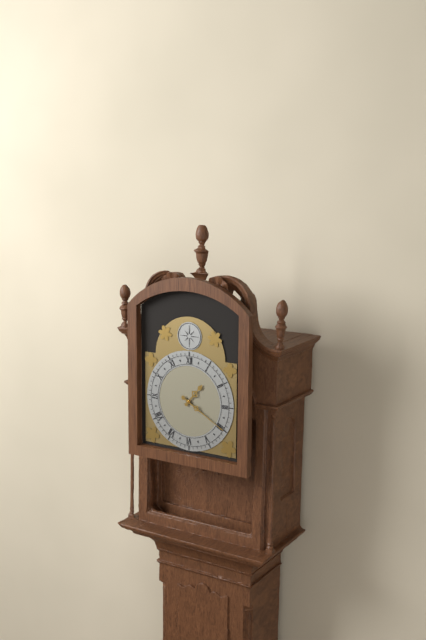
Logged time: 1 h 20 min
